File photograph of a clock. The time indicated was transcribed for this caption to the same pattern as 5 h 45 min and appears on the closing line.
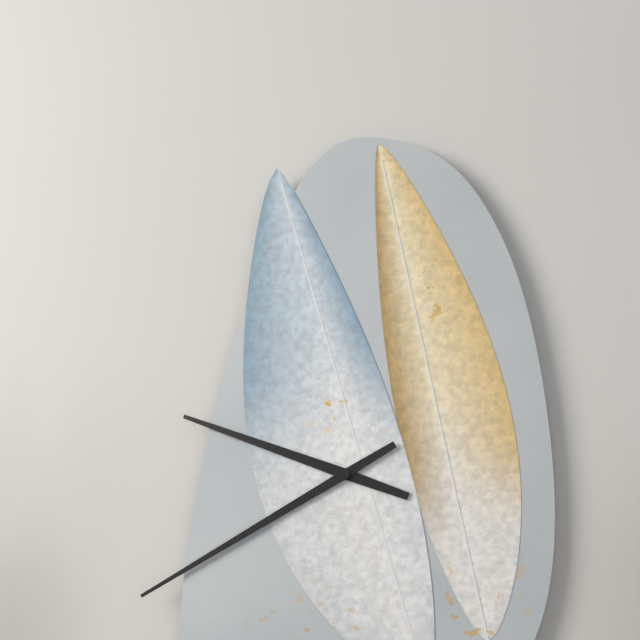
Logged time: 9 h 40 min
